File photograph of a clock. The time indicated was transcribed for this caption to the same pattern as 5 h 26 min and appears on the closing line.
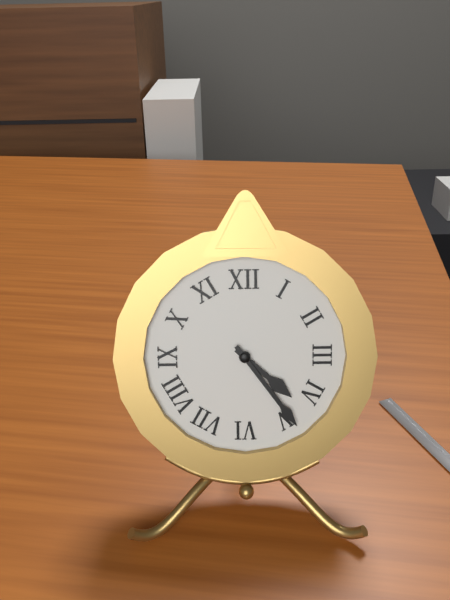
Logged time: 4 h 24 min
